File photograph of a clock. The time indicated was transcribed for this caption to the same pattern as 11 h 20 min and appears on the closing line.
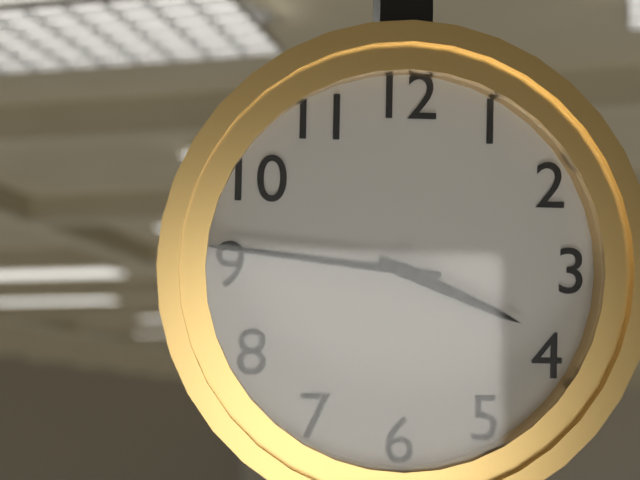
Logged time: 3 h 46 min
